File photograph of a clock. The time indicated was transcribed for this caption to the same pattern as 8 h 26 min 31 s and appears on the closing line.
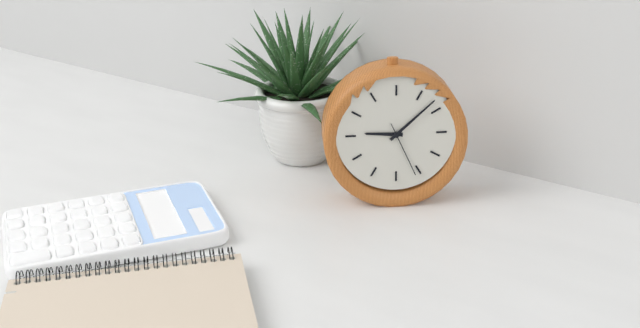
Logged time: 9 h 08 min 26 s
